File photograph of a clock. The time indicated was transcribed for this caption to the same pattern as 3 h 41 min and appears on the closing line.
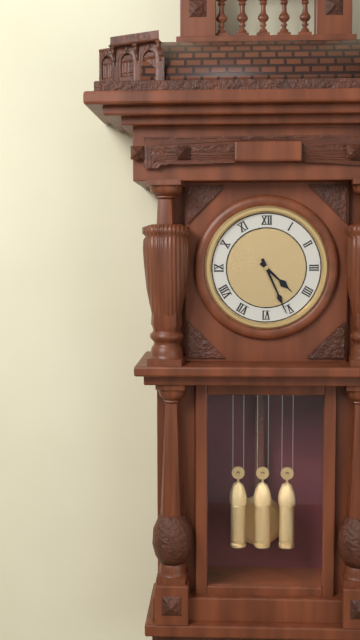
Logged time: 4 h 26 min
